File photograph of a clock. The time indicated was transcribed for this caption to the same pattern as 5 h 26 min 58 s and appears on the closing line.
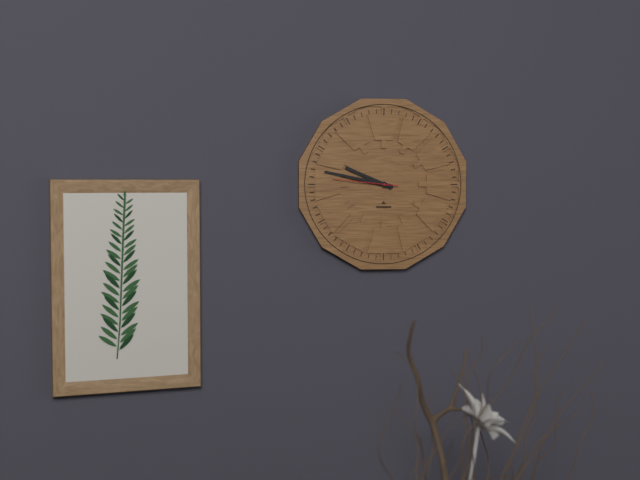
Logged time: 9 h 47 min 46 s
